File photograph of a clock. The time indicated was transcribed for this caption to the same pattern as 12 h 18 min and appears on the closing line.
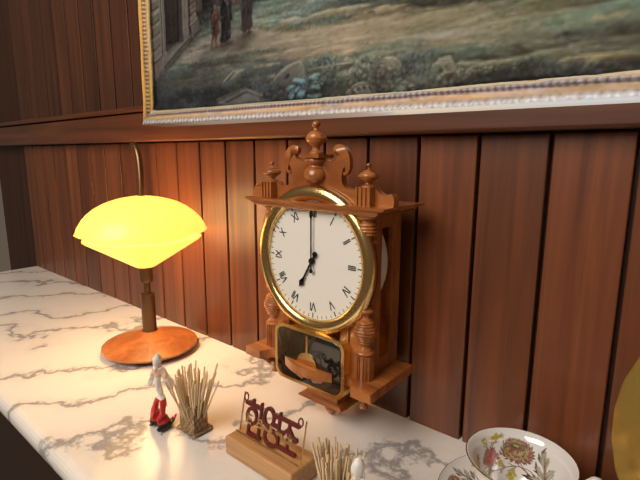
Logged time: 7 h 00 min
